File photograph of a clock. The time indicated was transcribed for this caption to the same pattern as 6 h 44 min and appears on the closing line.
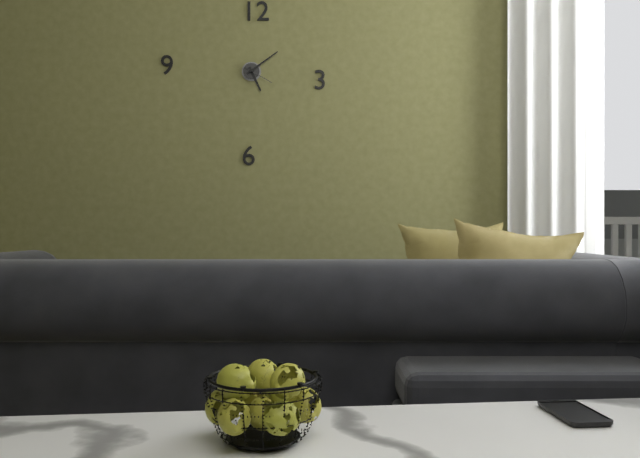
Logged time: 5 h 09 min
